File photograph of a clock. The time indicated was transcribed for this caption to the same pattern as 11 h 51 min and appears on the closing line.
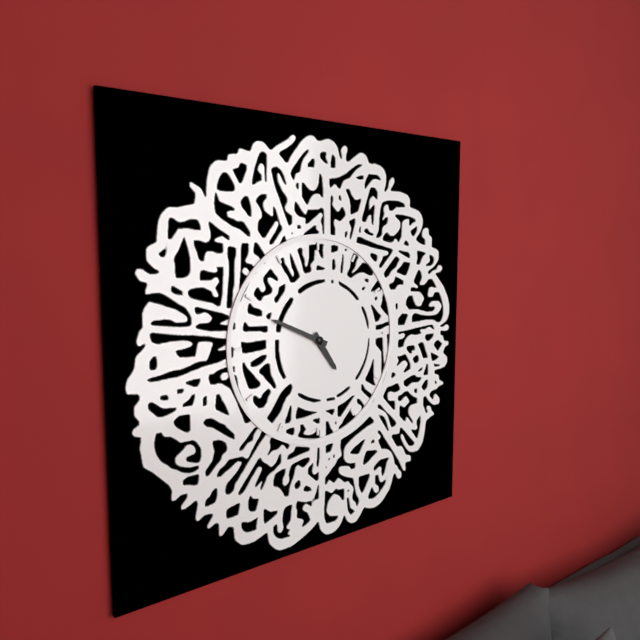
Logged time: 4 h 49 min
